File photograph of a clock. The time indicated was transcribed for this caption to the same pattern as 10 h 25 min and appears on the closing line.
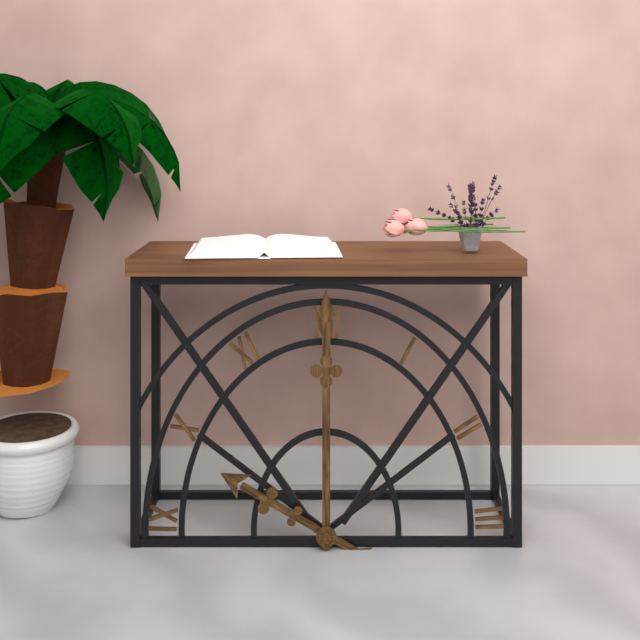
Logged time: 10 h 00 min
